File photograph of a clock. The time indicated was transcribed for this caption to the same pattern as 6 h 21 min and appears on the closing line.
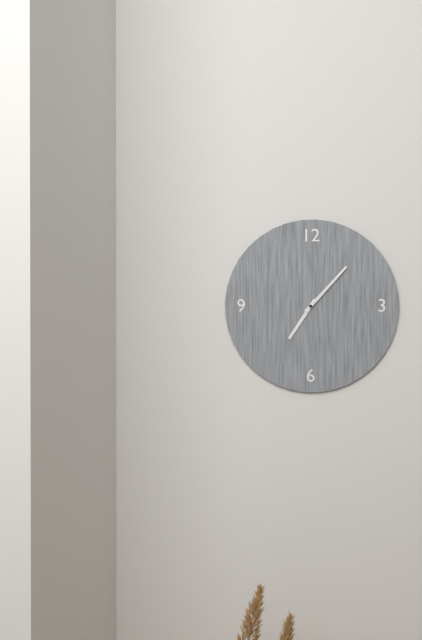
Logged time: 7 h 07 min
